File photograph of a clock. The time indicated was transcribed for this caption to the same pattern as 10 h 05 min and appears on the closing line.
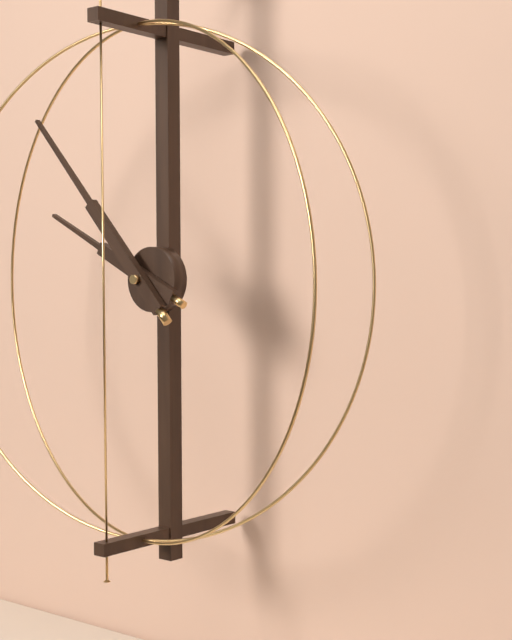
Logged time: 9 h 53 min
